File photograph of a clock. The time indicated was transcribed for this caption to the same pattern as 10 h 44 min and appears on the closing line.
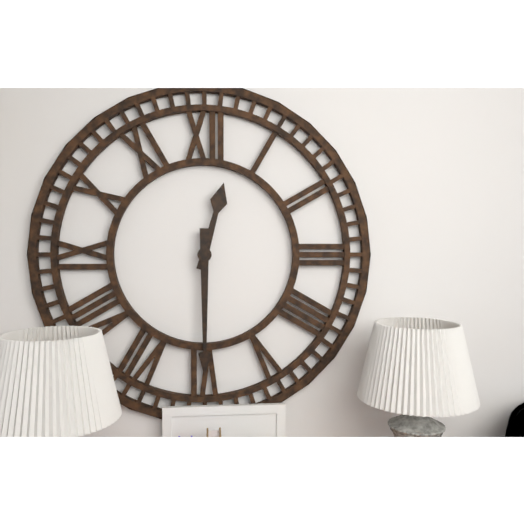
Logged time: 12 h 30 min
